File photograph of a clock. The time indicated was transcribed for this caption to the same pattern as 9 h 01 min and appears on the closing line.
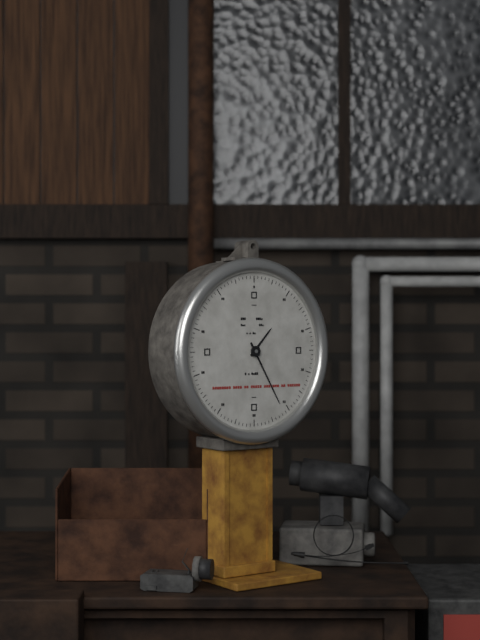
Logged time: 1 h 25 min
